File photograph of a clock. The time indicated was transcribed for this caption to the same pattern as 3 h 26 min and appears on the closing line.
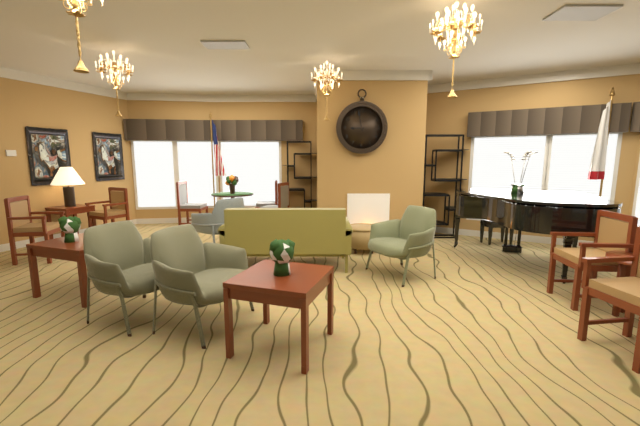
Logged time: 8 h 58 min
